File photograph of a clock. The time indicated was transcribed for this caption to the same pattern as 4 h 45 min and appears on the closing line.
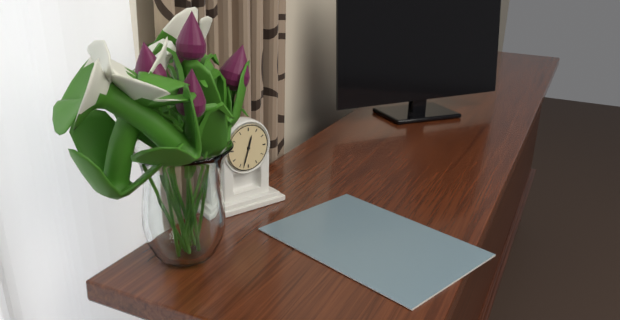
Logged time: 12 h 33 min
